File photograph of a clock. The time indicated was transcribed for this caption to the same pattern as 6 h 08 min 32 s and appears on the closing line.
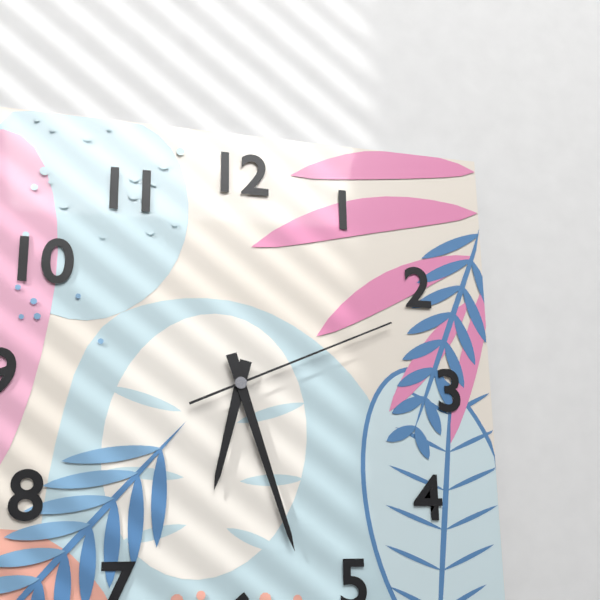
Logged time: 6 h 27 min 11 s
